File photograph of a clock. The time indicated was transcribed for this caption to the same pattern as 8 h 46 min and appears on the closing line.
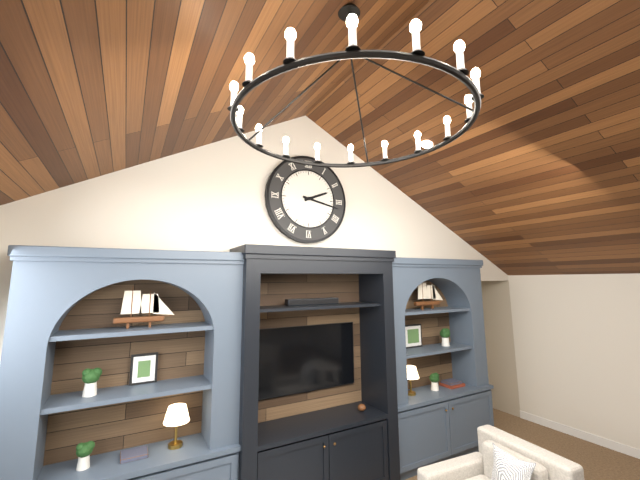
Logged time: 2 h 17 min
